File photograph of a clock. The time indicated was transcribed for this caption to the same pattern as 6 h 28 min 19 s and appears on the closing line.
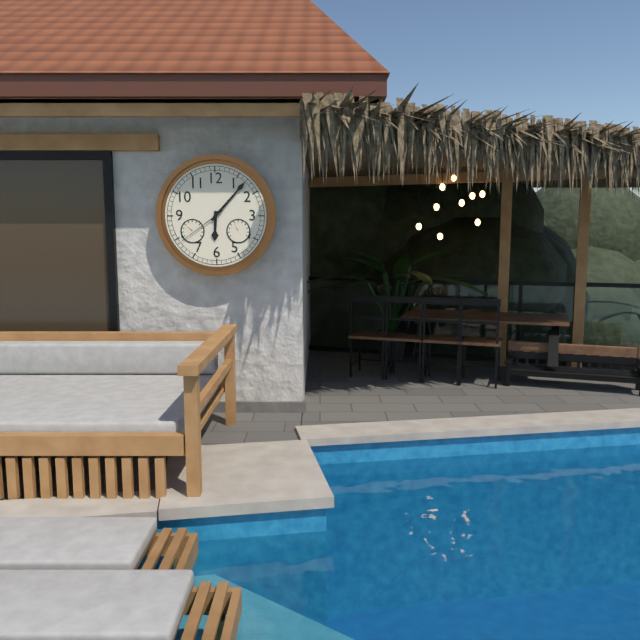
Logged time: 6 h 07 min 39 s
